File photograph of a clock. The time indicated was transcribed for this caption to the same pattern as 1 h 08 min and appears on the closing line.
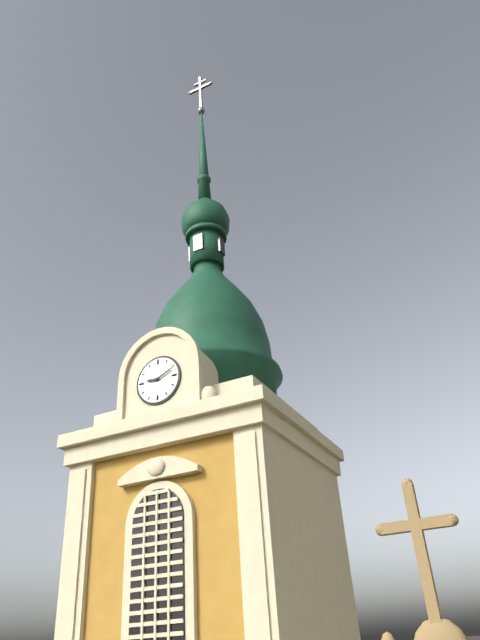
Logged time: 9 h 11 min
